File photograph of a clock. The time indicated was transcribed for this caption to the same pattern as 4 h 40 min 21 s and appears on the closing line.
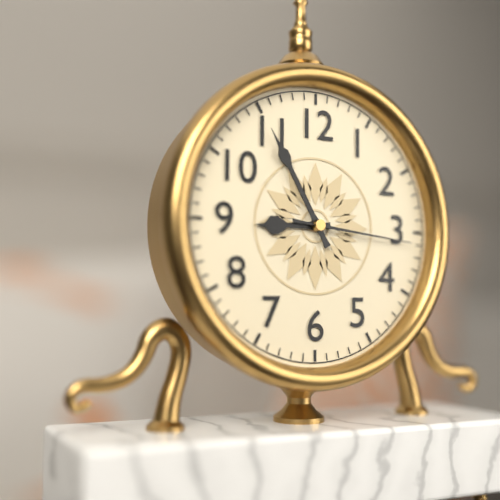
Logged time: 8 h 55 min 16 s
